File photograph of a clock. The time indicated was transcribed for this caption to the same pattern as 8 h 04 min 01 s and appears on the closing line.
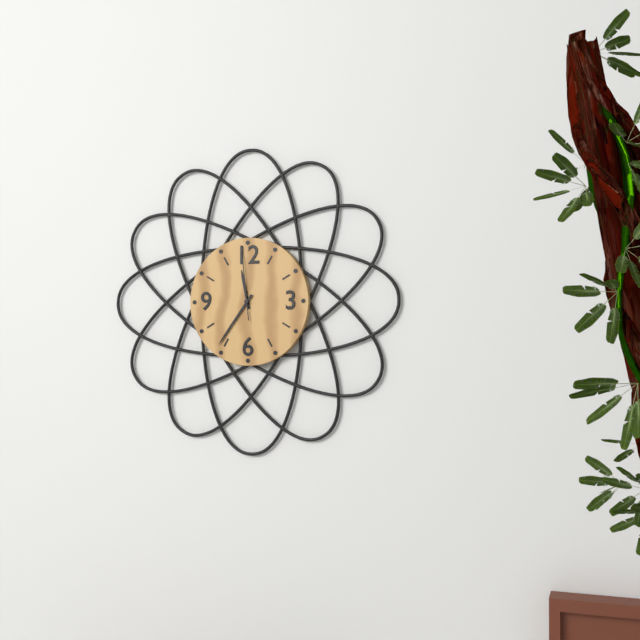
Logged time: 11 h 36 min 59 s
